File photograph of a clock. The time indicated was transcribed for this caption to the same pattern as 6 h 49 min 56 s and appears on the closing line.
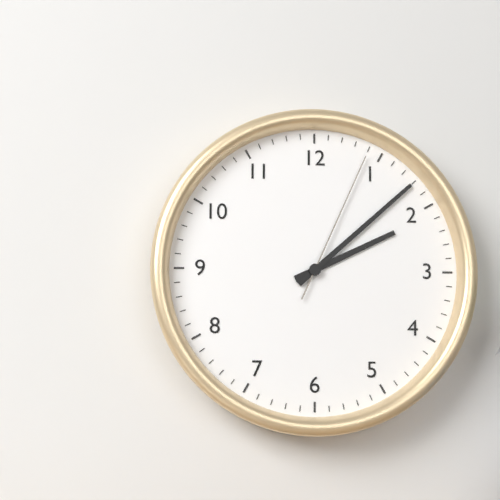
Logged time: 2 h 08 min 04 s
